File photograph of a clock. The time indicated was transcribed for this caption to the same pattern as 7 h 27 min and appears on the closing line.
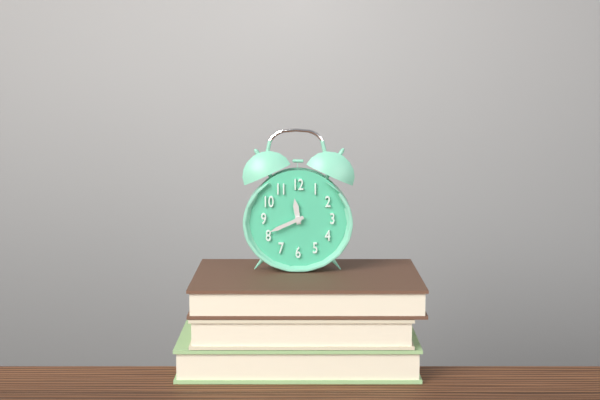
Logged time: 11 h 41 min
